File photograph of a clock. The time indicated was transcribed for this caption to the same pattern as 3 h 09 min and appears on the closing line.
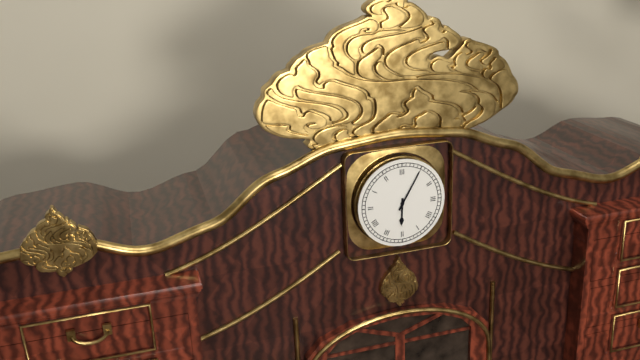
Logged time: 6 h 05 min
